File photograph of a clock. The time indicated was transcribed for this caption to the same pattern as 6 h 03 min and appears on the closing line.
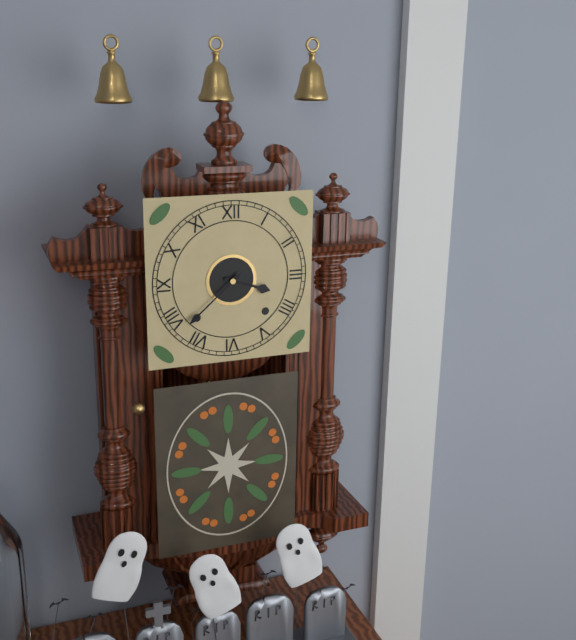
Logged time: 3 h 38 min
